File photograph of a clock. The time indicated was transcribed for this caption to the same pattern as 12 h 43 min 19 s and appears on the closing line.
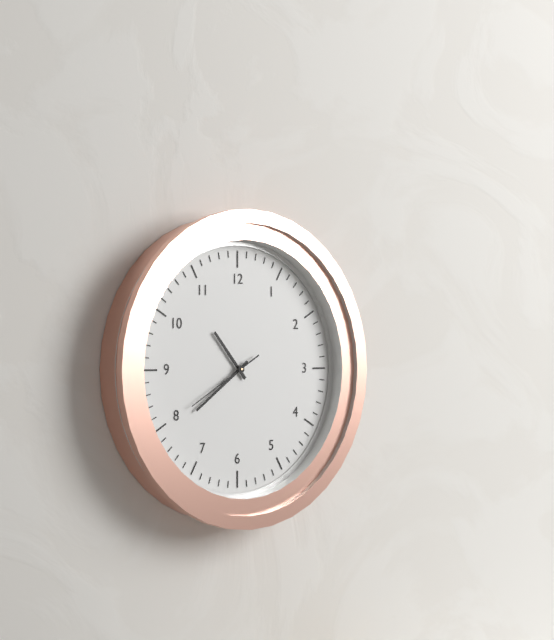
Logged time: 10 h 39 min 40 s
